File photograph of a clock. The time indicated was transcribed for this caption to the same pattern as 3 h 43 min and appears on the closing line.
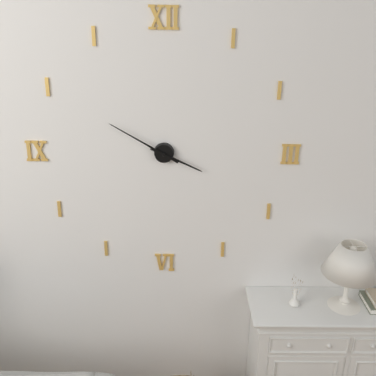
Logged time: 3 h 50 min
